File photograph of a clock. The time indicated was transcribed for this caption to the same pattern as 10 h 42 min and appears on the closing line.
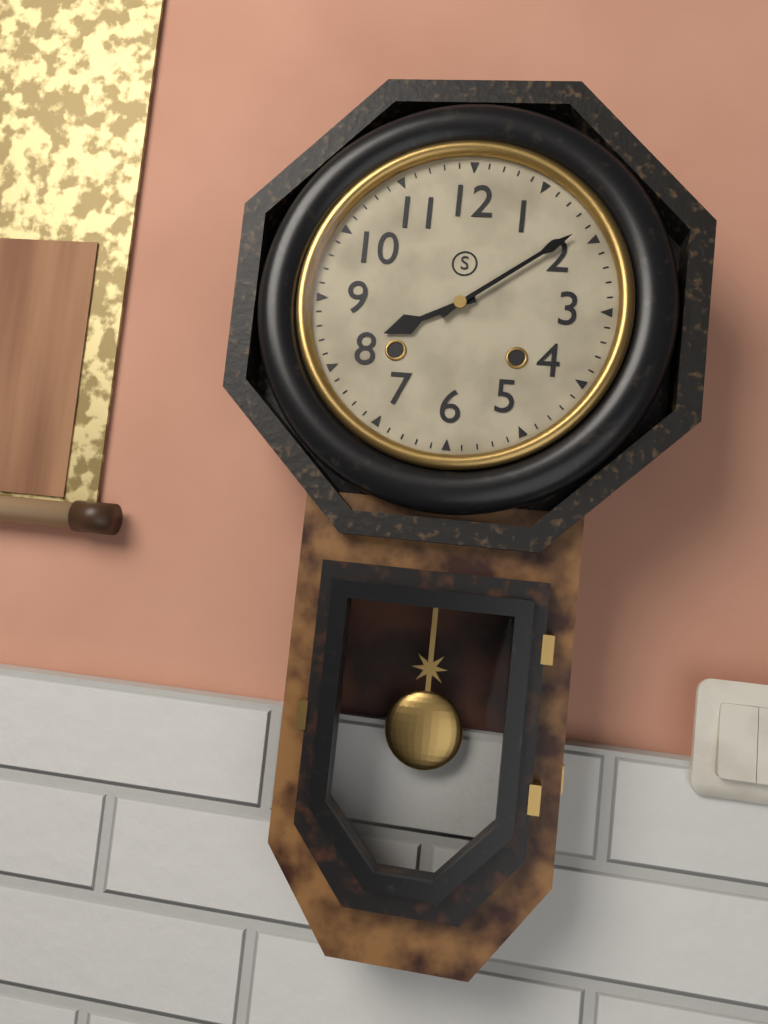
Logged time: 8 h 09 min
